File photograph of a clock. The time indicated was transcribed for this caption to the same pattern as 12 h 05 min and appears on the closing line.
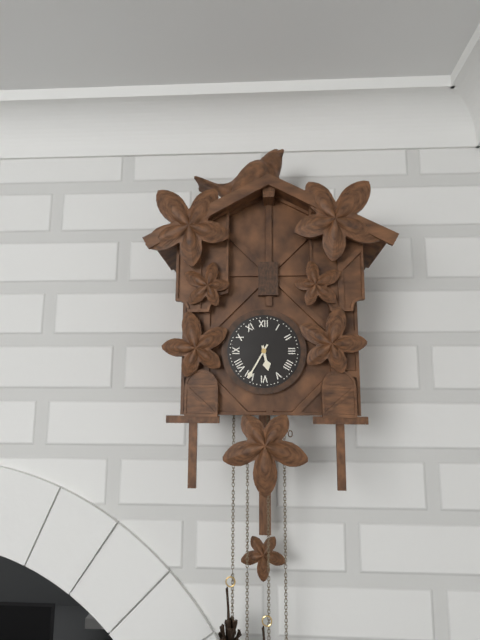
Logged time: 5 h 35 min
